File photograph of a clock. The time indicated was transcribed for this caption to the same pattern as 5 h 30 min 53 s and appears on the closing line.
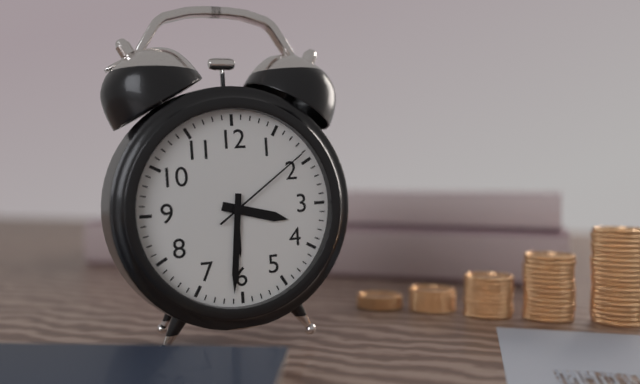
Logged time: 3 h 31 min 09 s
